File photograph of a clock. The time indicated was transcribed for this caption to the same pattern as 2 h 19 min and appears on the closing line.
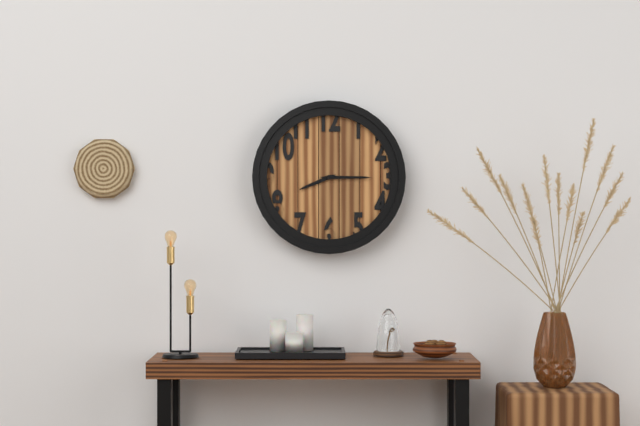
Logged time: 8 h 15 min
